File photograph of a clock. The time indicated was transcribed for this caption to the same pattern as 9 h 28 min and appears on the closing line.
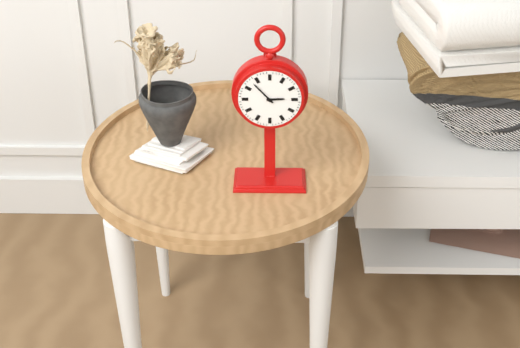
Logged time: 2 h 53 min
